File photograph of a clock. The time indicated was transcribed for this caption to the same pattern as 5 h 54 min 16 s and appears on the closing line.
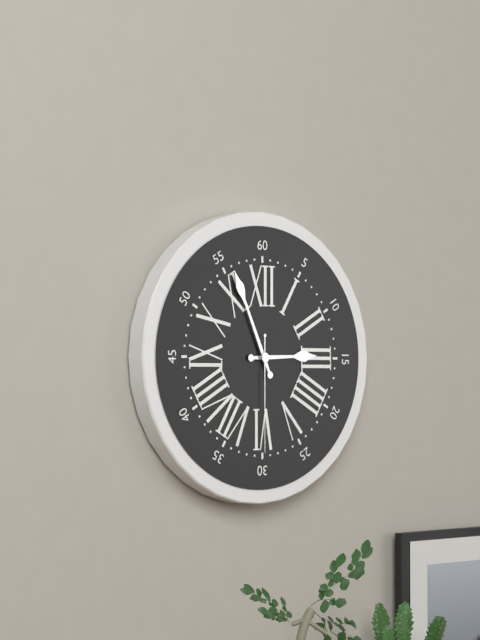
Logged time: 2 h 56 min 30 s
